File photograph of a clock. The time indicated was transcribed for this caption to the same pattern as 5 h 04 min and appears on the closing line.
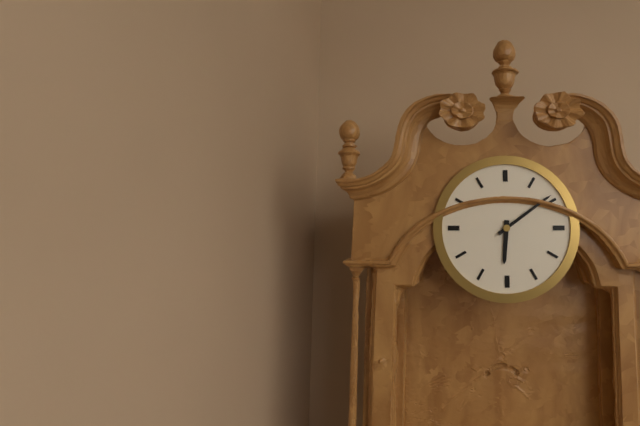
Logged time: 6 h 09 min
